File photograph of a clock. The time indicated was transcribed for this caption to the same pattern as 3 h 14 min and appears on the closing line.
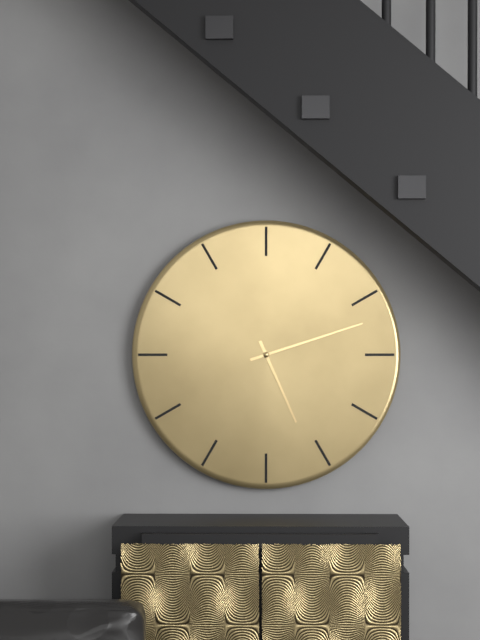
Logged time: 5 h 12 min
